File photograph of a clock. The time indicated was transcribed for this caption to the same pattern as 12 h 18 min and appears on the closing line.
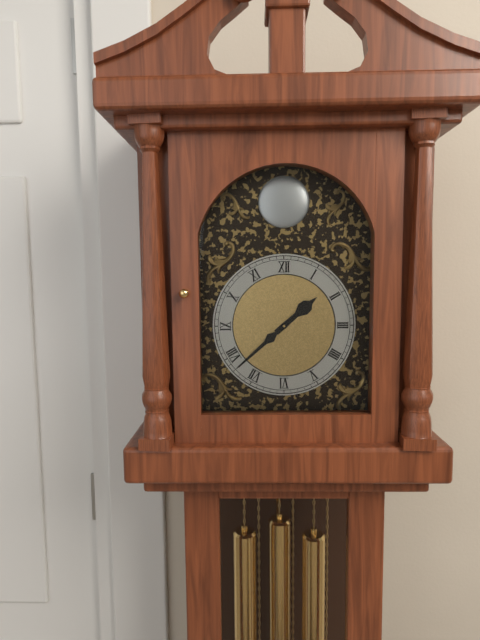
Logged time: 1 h 38 min
